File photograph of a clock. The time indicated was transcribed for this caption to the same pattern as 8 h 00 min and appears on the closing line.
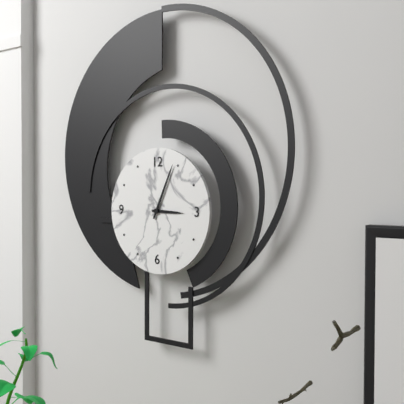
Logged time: 3 h 04 min
